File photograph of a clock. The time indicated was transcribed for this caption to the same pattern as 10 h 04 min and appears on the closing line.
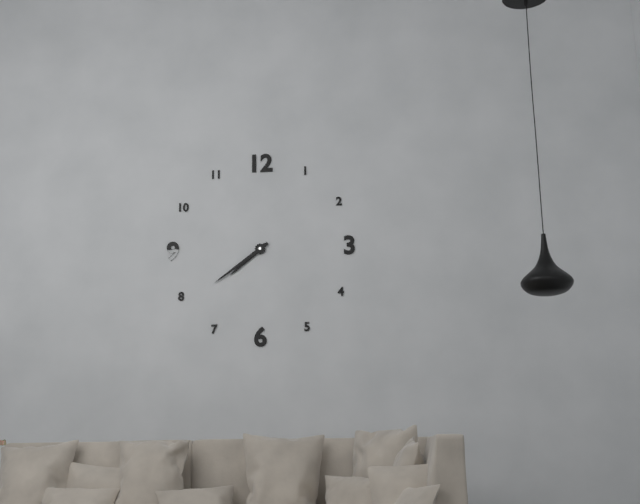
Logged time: 7 h 39 min
